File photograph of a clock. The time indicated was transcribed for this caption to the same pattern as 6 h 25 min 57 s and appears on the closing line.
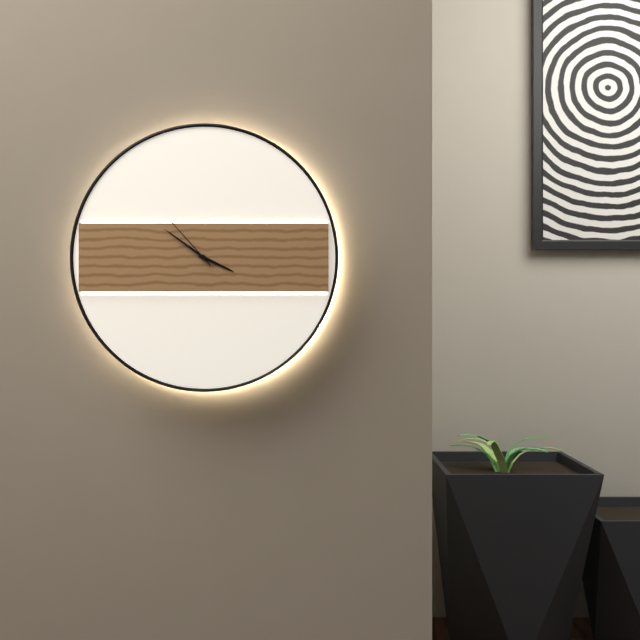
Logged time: 3 h 51 min 53 s
